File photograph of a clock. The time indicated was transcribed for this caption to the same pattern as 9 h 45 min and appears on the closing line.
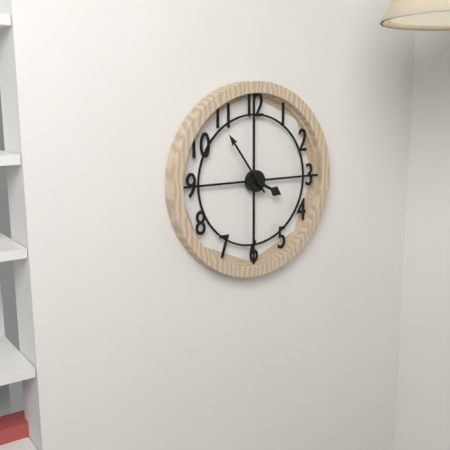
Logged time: 3 h 54 min
